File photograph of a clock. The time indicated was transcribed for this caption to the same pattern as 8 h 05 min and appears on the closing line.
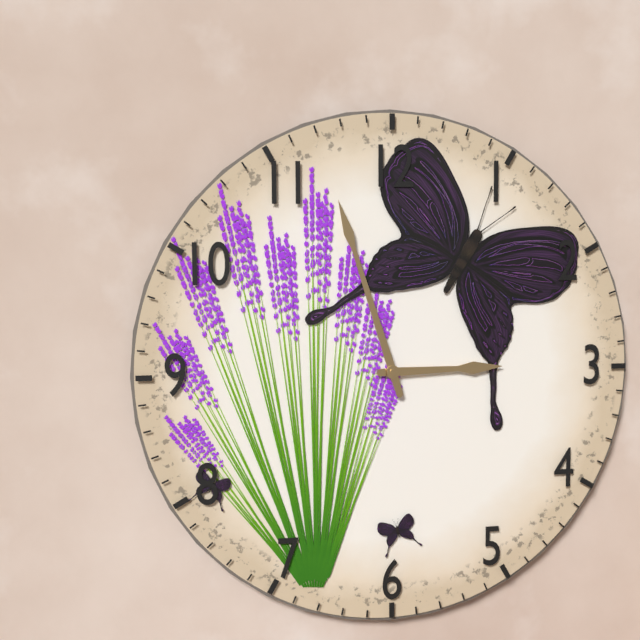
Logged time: 2 h 57 min
